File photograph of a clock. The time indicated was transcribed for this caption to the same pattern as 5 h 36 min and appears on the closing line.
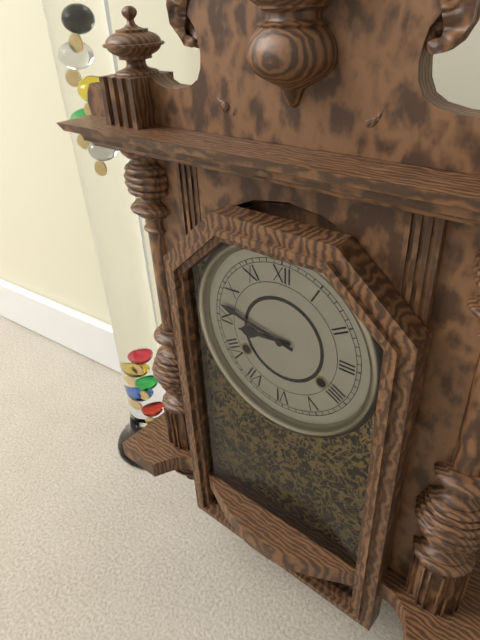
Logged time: 8 h 47 min
